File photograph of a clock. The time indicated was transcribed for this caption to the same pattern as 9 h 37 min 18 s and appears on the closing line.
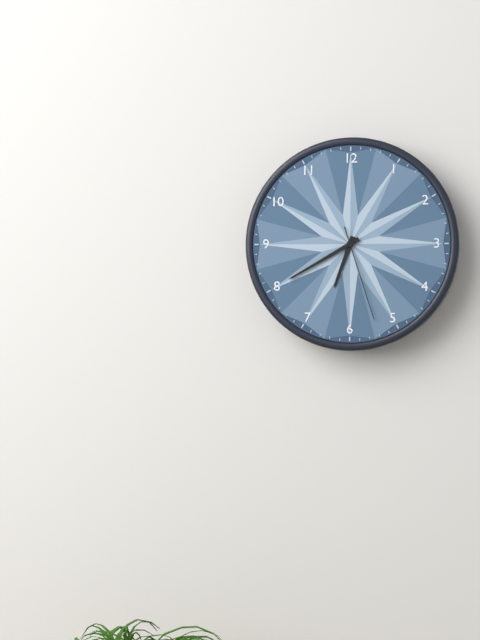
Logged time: 6 h 40 min 27 s
